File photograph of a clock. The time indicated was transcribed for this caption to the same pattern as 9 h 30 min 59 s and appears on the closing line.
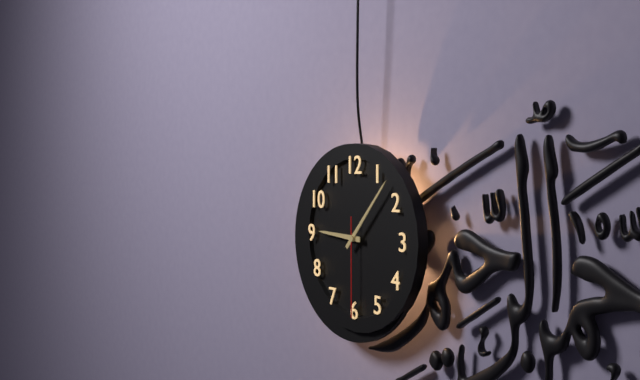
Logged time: 9 h 07 min 30 s
